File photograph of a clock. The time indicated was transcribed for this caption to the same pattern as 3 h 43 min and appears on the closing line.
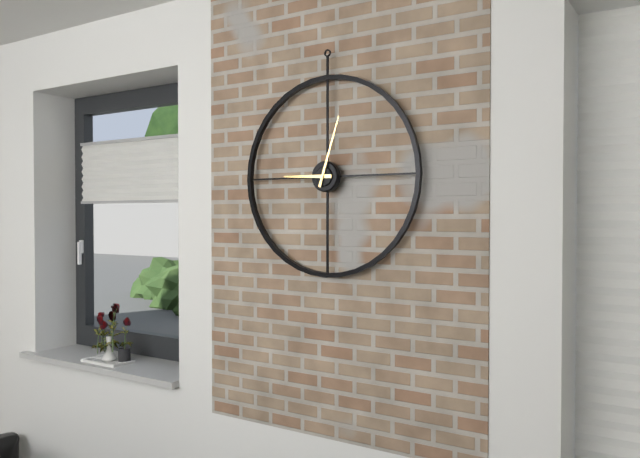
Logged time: 9 h 03 min
